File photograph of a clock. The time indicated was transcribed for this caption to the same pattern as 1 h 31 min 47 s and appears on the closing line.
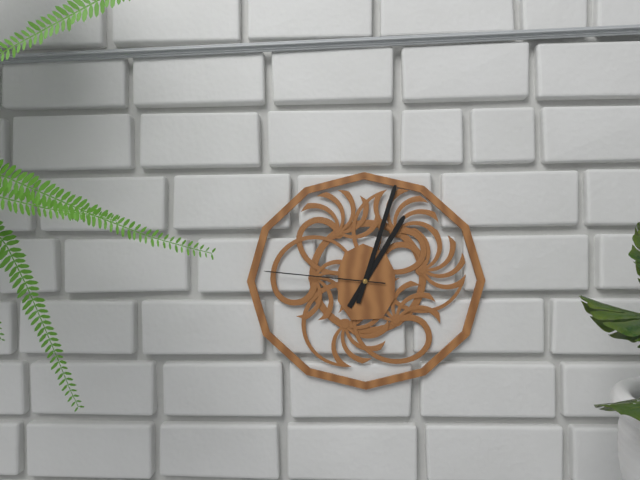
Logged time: 1 h 03 min 46 s
